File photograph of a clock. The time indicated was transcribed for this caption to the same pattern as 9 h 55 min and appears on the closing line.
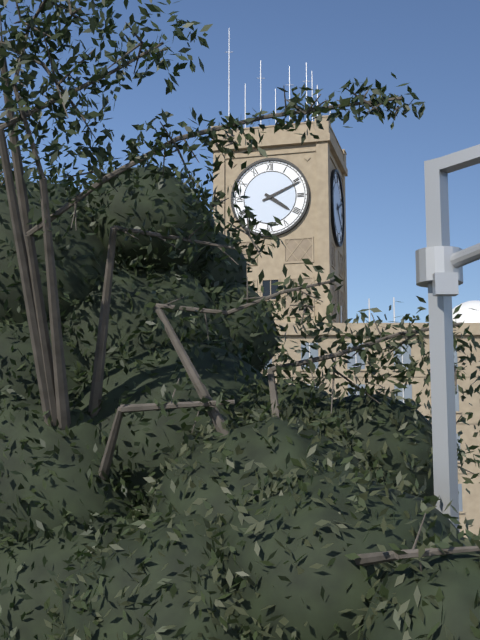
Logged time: 4 h 11 min
